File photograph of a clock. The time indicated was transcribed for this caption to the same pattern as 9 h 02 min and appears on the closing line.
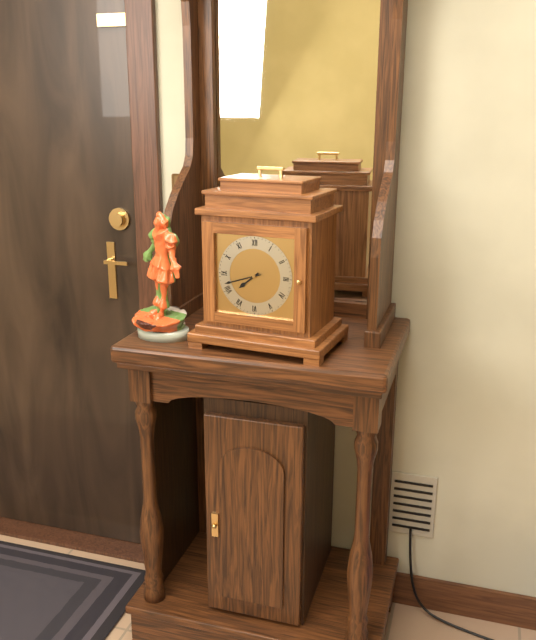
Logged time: 7 h 42 min
